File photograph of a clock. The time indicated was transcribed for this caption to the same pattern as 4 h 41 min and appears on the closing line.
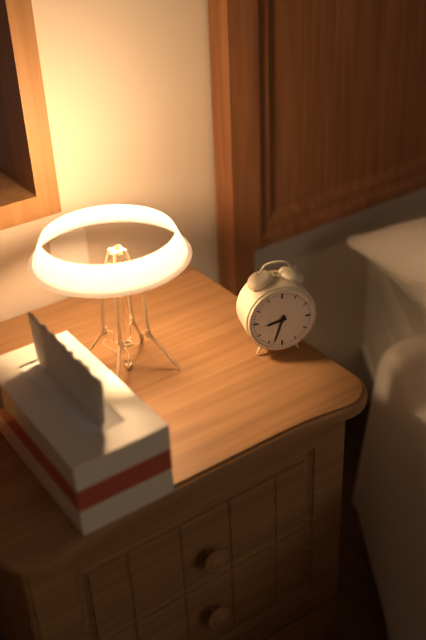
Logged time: 8 h 33 min
